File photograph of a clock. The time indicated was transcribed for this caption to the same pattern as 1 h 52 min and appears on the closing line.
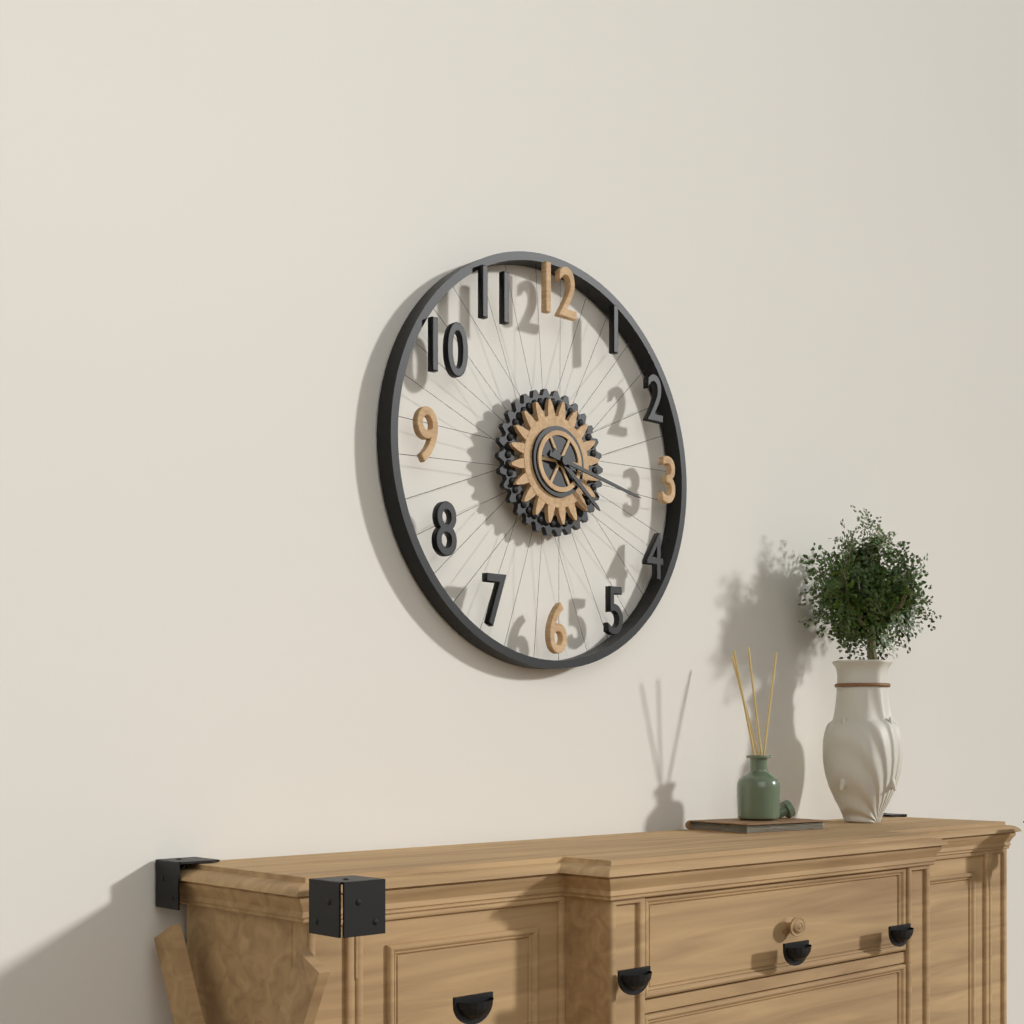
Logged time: 4 h 17 min
